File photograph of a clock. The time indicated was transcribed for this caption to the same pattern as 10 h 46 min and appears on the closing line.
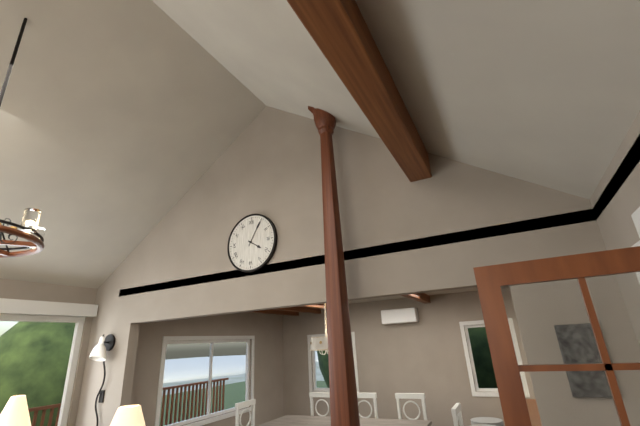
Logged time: 4 h 05 min
